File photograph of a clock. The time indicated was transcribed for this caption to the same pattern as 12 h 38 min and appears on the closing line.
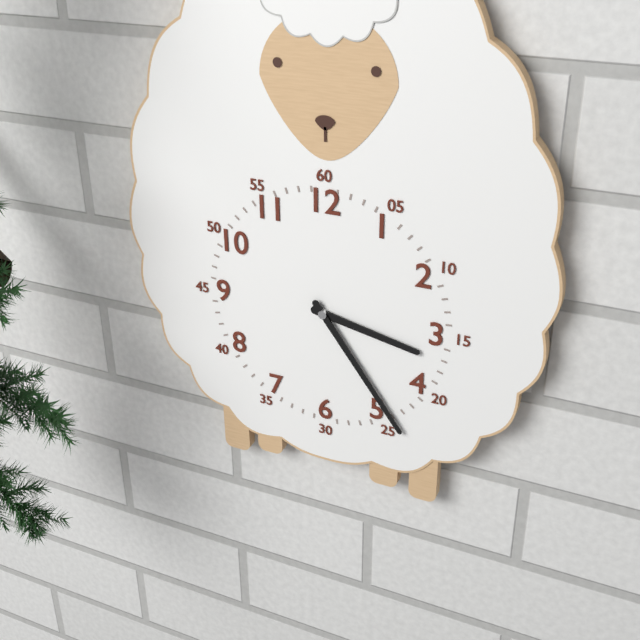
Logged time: 3 h 24 min
